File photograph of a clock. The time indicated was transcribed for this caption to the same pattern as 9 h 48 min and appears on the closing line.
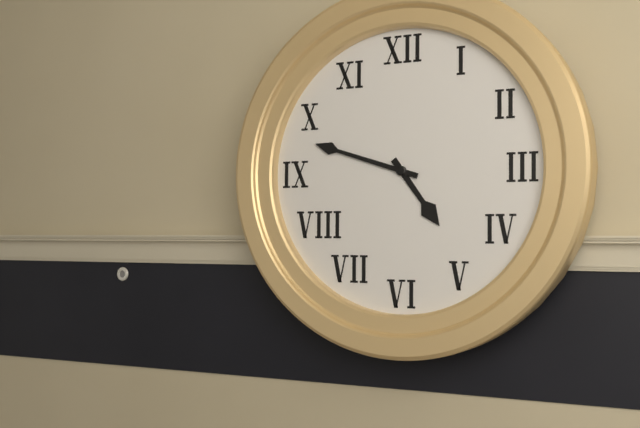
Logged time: 4 h 48 min
